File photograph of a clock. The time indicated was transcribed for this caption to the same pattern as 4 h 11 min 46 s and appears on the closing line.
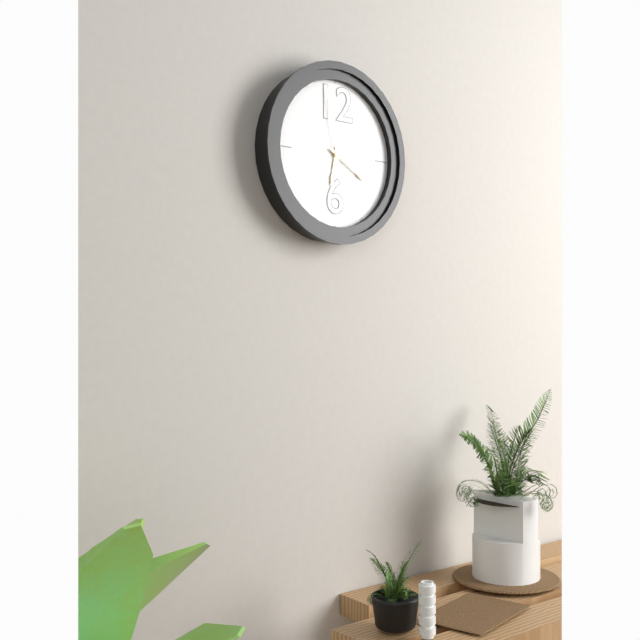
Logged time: 6 h 20 min 58 s
